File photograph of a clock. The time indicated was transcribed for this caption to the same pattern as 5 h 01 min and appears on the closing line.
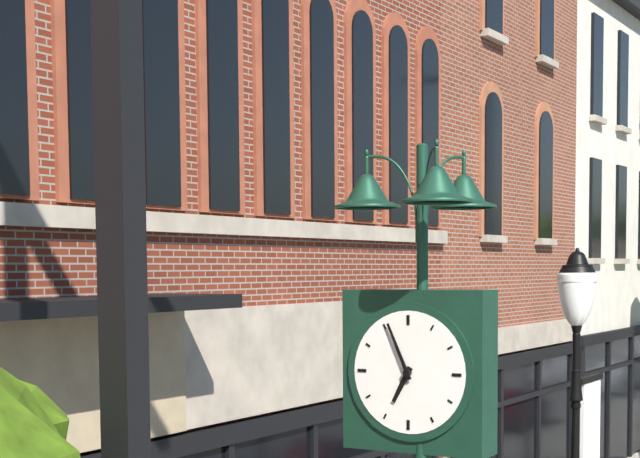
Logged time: 6 h 56 min
